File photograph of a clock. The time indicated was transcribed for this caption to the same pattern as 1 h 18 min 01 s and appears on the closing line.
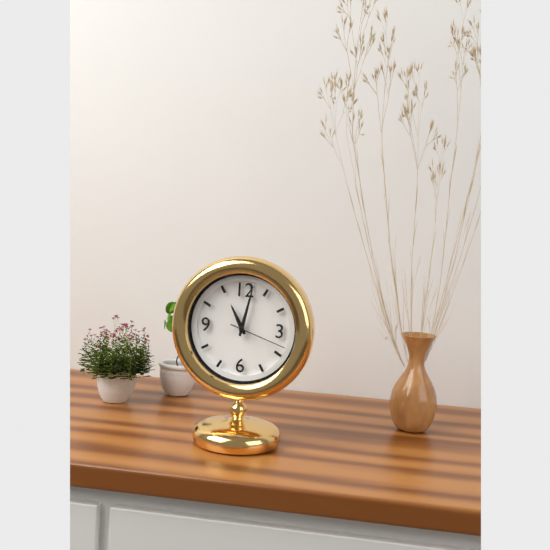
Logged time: 11 h 02 min 18 s
